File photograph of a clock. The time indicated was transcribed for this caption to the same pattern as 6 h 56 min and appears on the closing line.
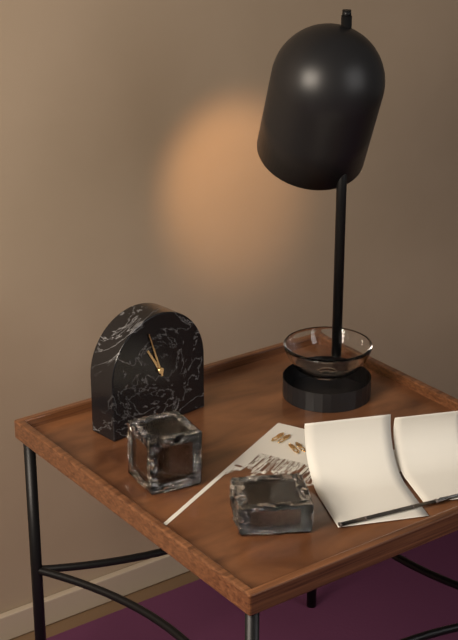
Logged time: 10 h 57 min
